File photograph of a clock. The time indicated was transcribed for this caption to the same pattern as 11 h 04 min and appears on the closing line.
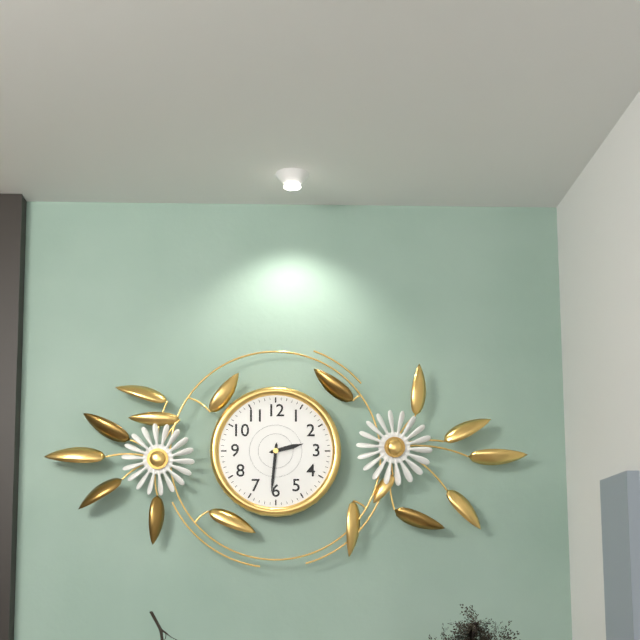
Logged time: 2 h 31 min
